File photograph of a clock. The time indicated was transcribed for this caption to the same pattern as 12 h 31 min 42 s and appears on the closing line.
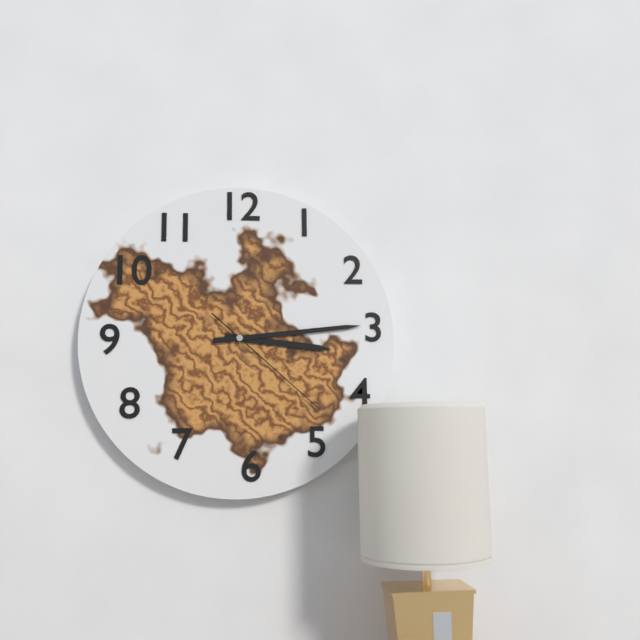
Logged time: 3 h 14 min 22 s
